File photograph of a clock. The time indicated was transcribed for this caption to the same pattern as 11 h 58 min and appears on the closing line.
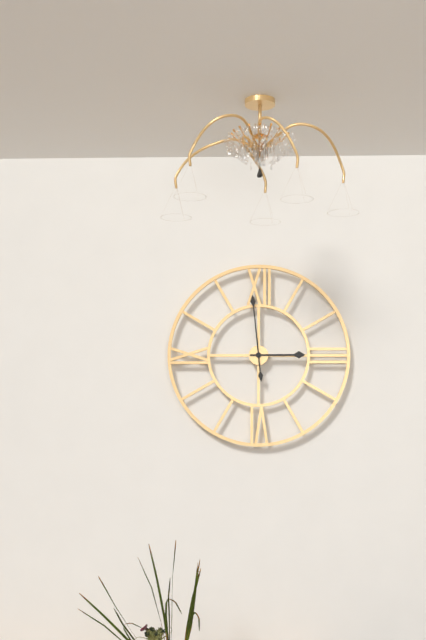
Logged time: 2 h 59 min
